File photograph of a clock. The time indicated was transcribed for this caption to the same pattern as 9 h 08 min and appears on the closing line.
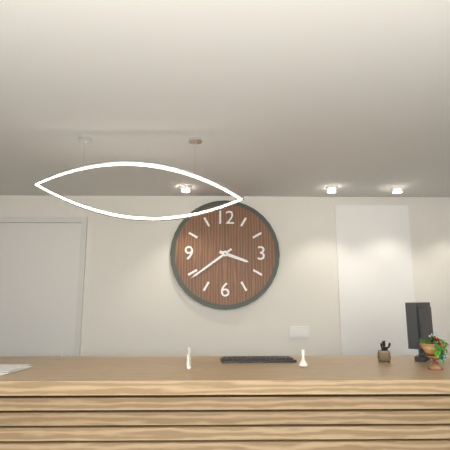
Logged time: 3 h 39 min
